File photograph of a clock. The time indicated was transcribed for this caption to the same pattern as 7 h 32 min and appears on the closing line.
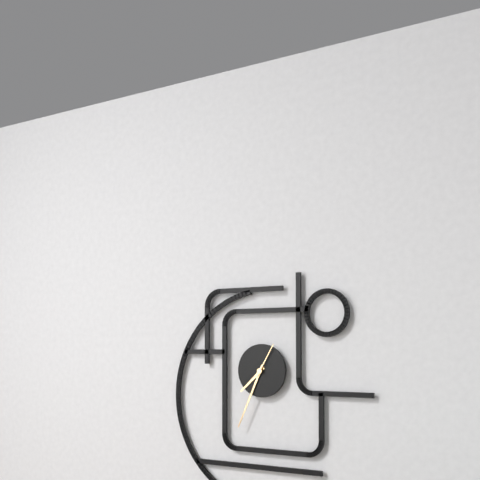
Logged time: 7 h 34 min
